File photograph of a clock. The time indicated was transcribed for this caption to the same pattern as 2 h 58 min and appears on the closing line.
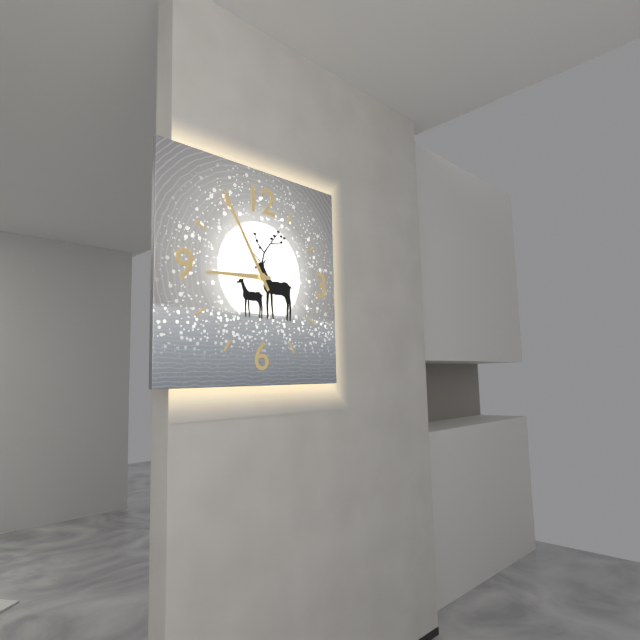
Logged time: 8 h 55 min
